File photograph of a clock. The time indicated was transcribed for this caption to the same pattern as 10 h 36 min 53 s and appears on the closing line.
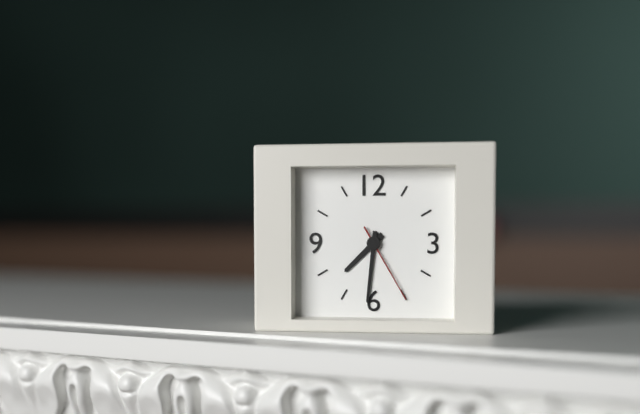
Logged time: 7 h 31 min 25 s
